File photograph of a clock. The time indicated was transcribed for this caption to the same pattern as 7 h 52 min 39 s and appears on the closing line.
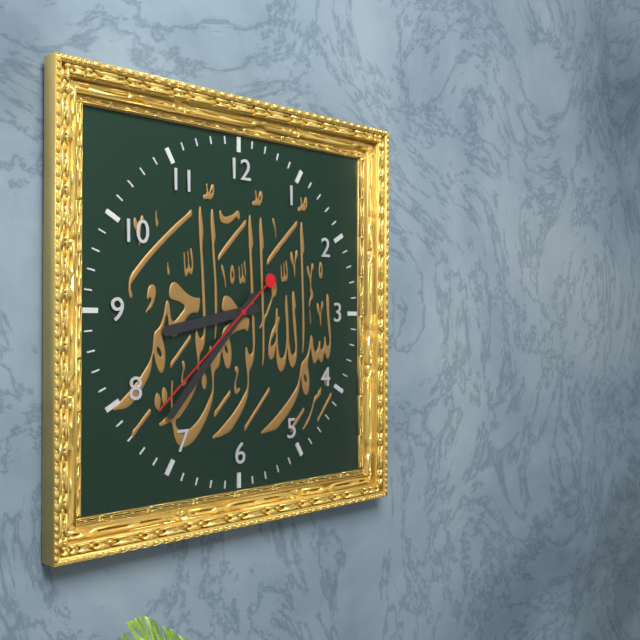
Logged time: 8 h 37 min 38 s
